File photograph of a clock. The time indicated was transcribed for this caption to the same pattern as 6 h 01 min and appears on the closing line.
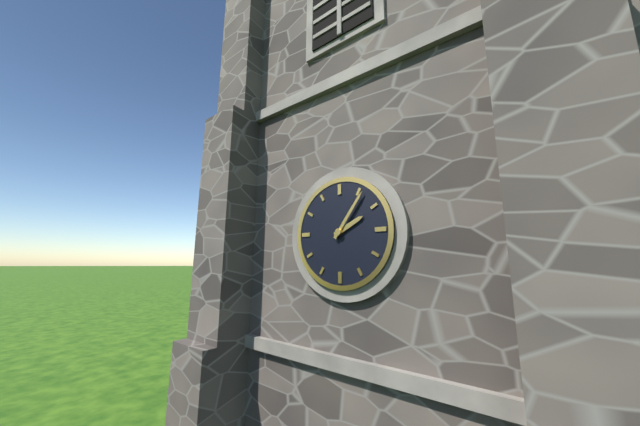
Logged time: 2 h 06 min
